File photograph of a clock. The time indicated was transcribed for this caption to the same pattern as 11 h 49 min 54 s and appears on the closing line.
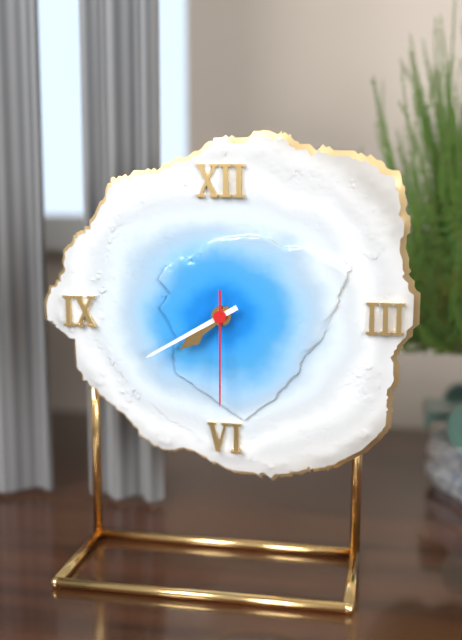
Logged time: 7 h 40 min 30 s
